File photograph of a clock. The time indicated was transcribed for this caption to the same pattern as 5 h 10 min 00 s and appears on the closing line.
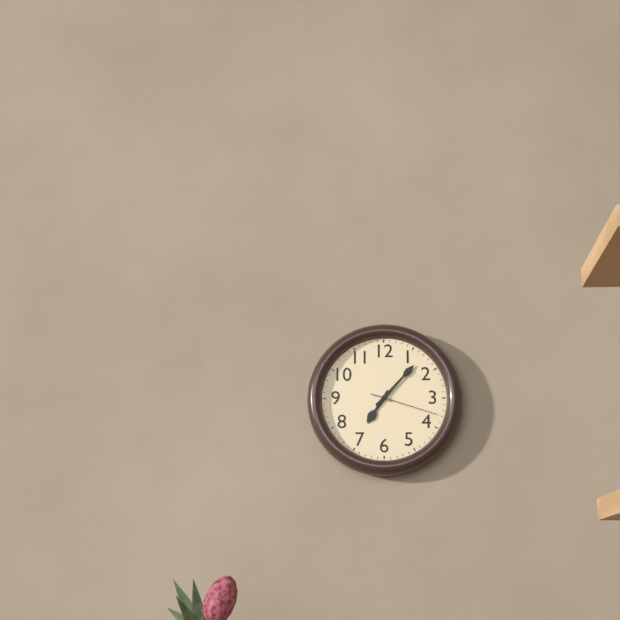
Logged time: 7 h 07 min 18 s
